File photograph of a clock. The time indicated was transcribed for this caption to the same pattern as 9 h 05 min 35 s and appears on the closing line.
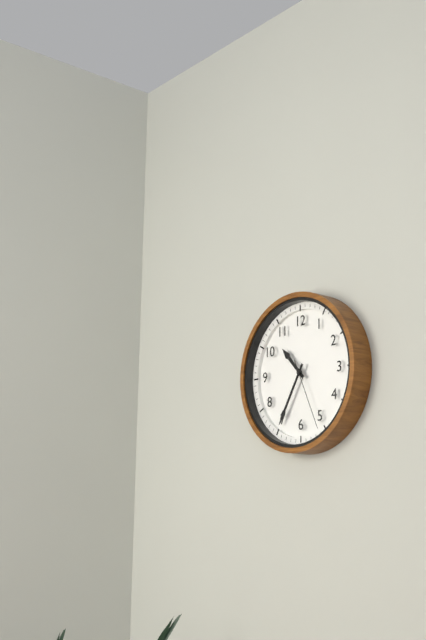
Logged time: 10 h 35 min 26 s
